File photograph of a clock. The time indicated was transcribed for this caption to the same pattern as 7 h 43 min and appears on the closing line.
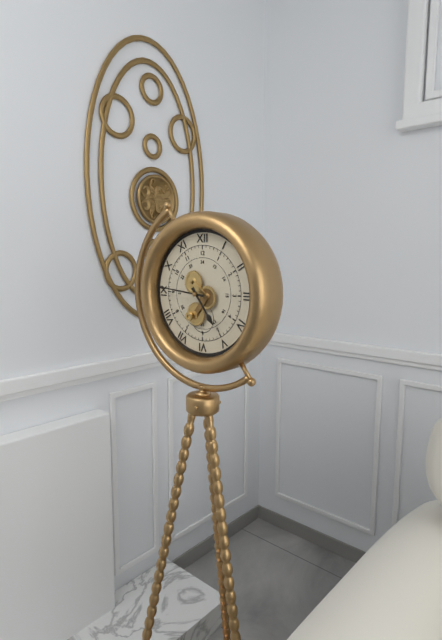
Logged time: 4 h 46 min
